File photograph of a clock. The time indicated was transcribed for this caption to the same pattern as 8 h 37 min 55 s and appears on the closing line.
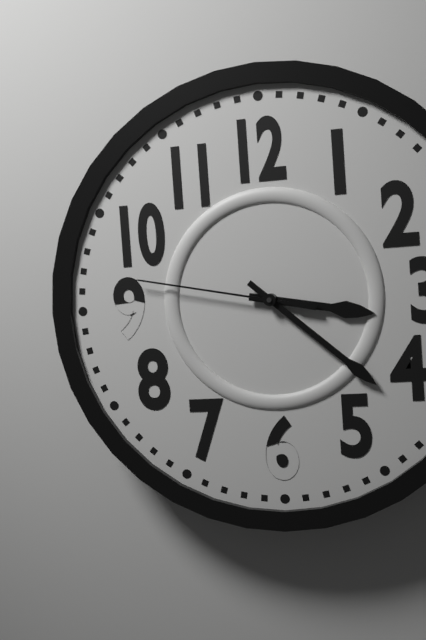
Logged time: 3 h 22 min 47 s
